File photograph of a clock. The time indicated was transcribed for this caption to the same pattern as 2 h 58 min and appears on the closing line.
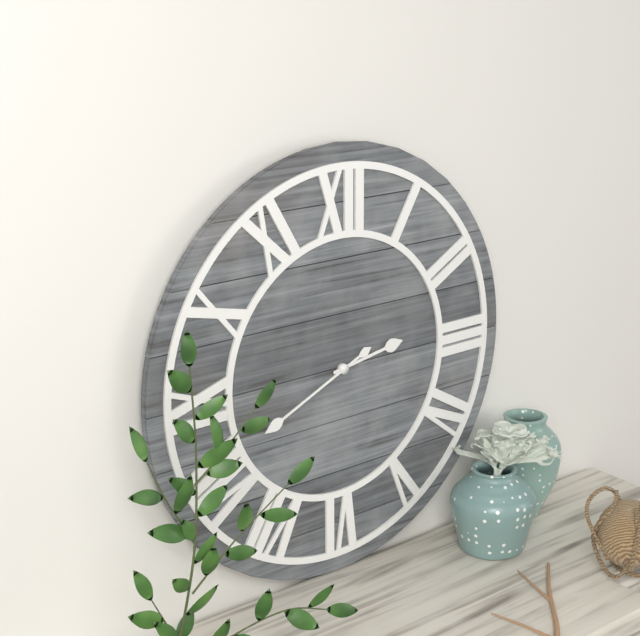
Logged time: 2 h 41 min
